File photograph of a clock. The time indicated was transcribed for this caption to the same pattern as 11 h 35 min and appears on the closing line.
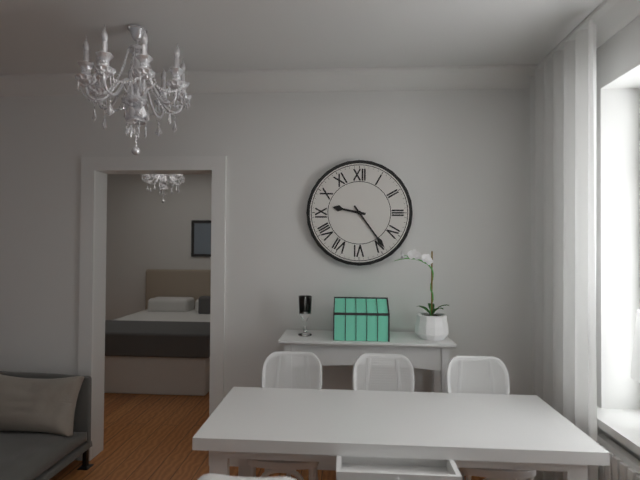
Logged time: 9 h 24 min
